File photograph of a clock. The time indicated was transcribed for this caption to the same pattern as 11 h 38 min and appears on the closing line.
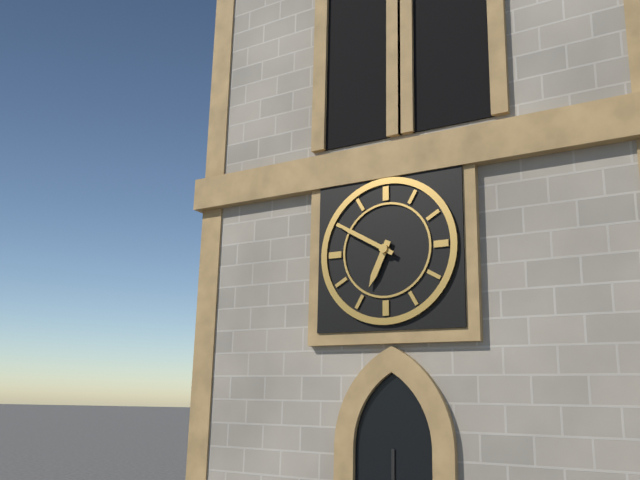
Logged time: 6 h 50 min
